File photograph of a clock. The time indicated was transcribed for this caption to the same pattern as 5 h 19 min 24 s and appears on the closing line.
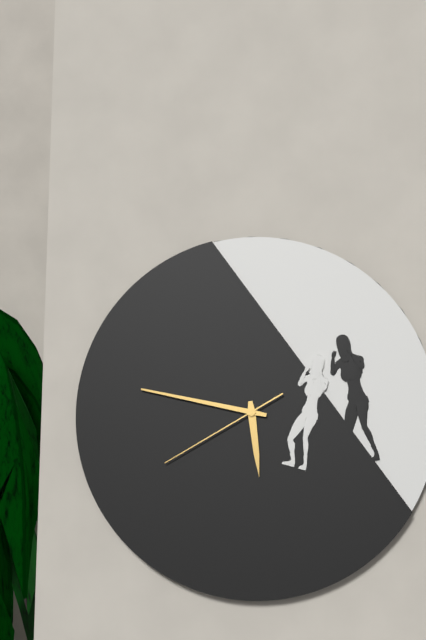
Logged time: 5 h 47 min 40 s
